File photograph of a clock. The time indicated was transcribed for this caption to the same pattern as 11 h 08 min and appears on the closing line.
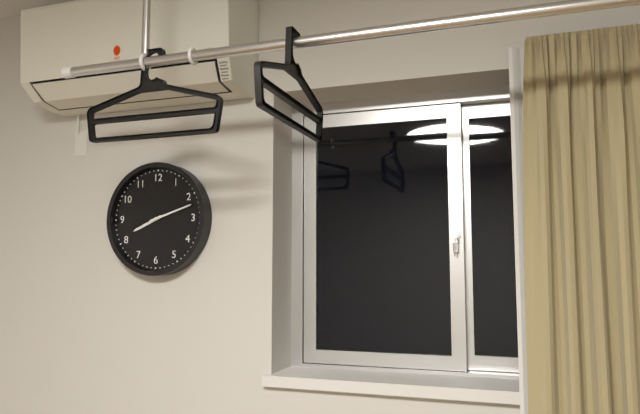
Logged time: 8 h 12 min
